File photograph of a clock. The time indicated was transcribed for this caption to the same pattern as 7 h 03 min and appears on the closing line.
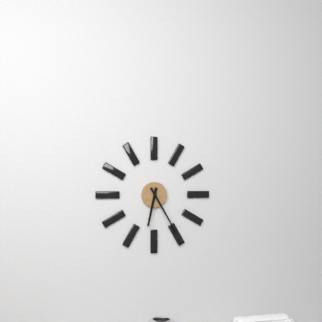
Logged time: 6 h 25 min
